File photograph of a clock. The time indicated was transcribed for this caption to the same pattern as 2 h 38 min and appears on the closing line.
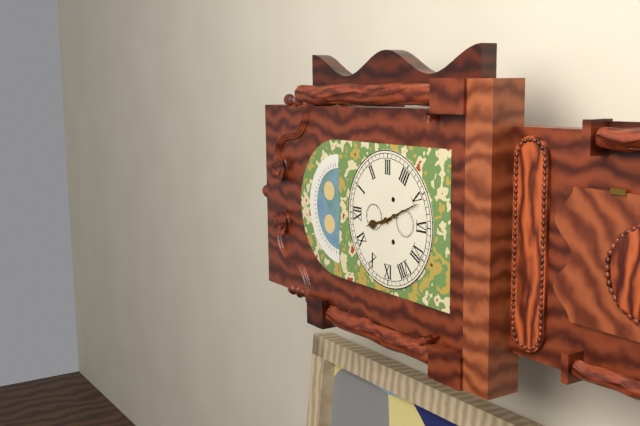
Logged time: 11 h 26 min
